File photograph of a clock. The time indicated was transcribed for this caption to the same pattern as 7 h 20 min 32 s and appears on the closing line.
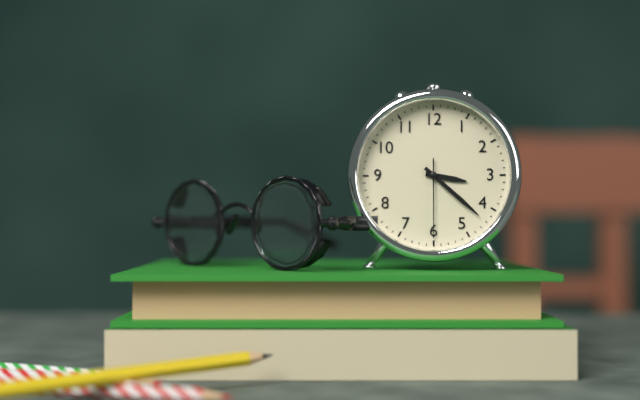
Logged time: 3 h 22 min 30 s
